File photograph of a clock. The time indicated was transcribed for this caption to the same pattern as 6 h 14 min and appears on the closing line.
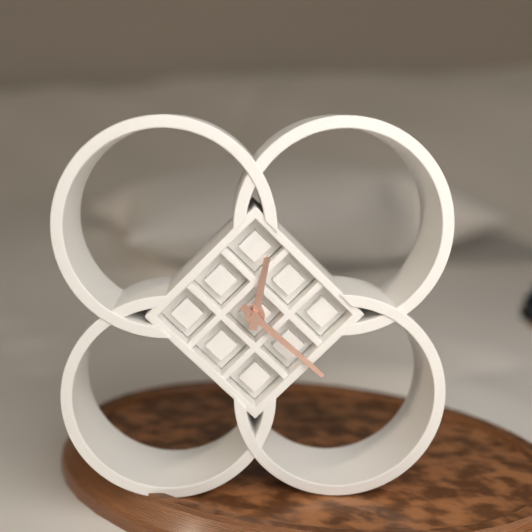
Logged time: 12 h 22 min
